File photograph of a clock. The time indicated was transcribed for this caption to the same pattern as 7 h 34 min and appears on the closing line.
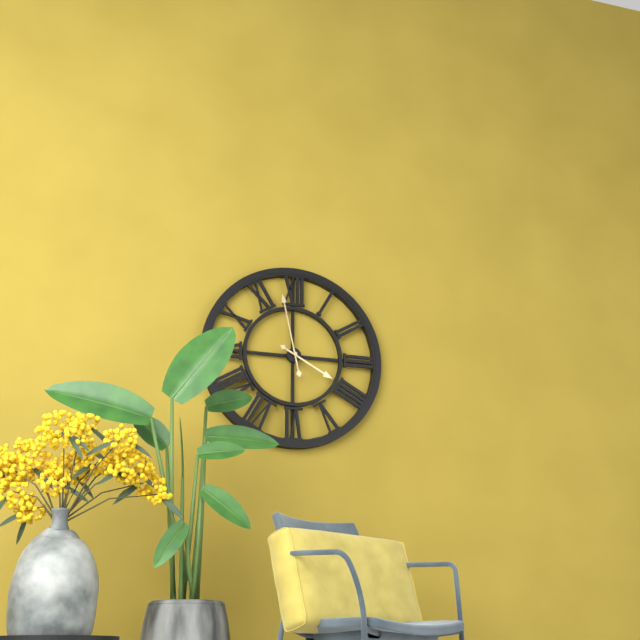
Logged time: 3 h 58 min
